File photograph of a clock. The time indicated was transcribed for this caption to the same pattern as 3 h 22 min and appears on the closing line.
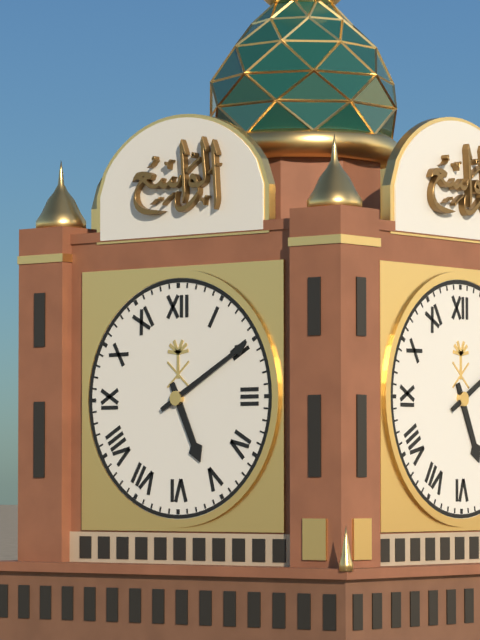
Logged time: 5 h 10 min
